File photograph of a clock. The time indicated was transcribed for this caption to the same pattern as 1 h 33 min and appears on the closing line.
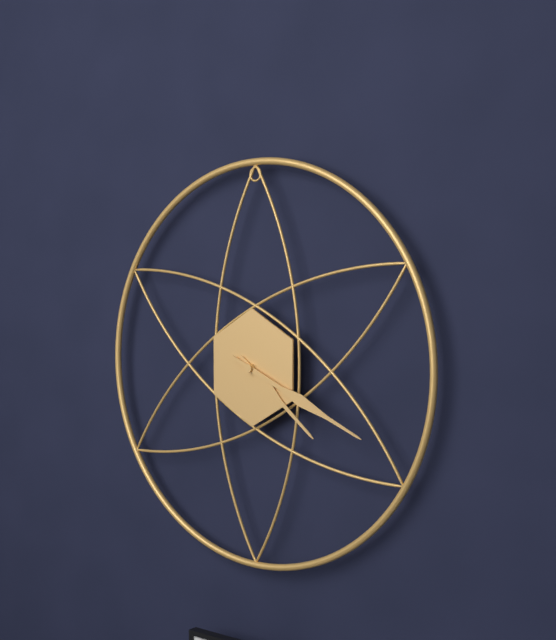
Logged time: 4 h 19 min
